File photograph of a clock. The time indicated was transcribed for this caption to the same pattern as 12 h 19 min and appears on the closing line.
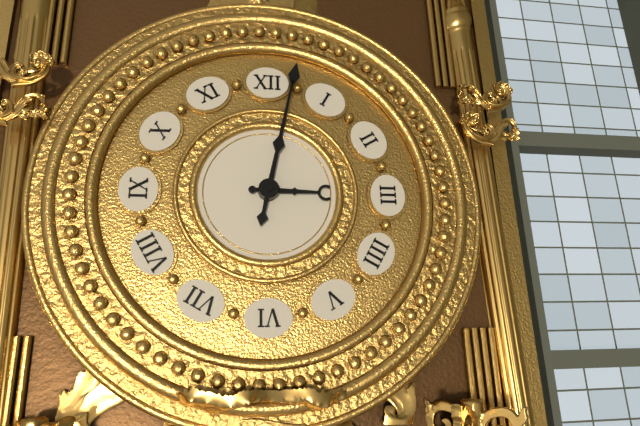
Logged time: 3 h 02 min
